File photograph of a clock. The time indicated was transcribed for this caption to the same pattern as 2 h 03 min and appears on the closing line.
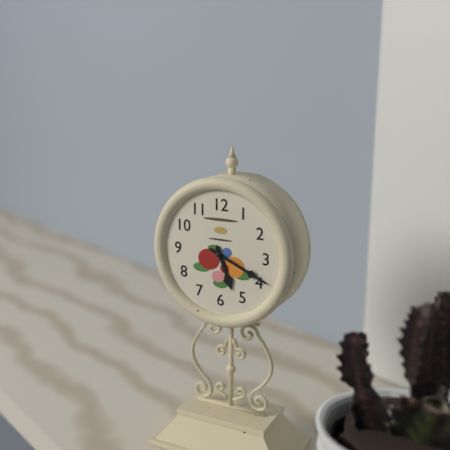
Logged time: 5 h 19 min
